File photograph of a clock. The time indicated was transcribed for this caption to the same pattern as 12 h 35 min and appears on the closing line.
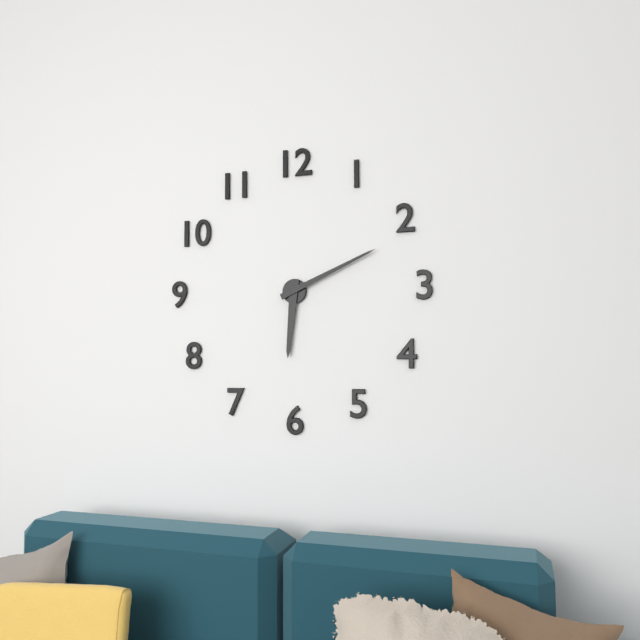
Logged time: 6 h 11 min
